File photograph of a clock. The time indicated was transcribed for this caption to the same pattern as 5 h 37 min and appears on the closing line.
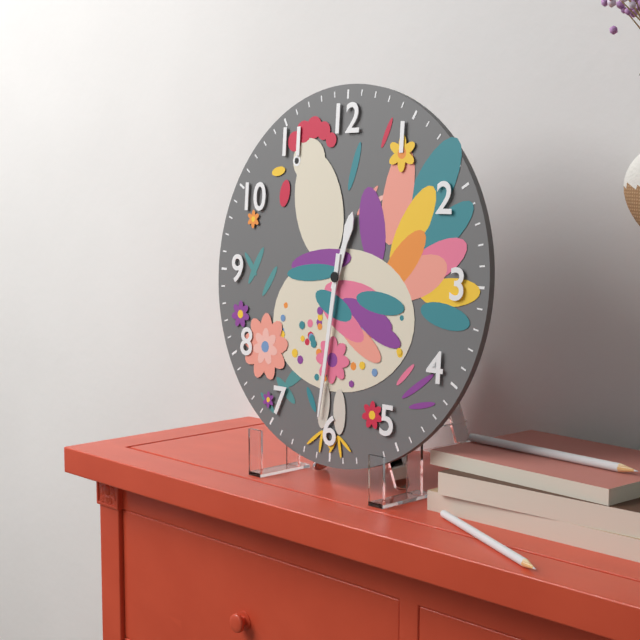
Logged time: 12 h 31 min
